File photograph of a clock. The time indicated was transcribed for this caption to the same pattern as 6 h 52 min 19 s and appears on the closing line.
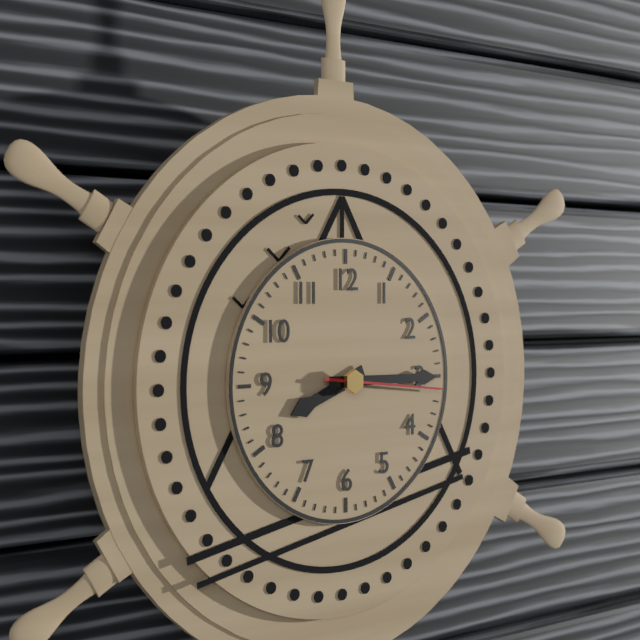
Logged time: 8 h 15 min 16 s
